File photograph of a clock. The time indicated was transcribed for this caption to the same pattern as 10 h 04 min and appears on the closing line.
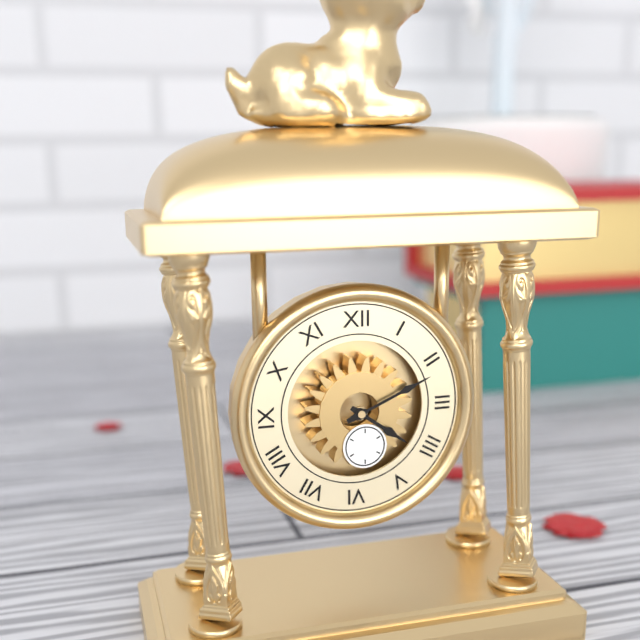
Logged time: 4 h 11 min
